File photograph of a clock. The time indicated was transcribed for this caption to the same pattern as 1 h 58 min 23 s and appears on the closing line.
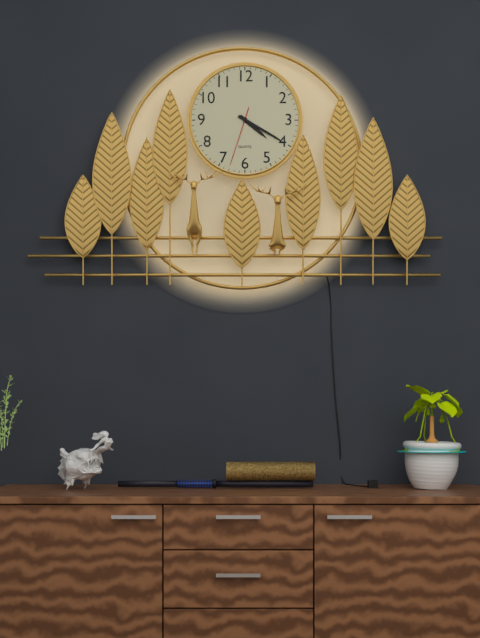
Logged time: 4 h 20 min 33 s
